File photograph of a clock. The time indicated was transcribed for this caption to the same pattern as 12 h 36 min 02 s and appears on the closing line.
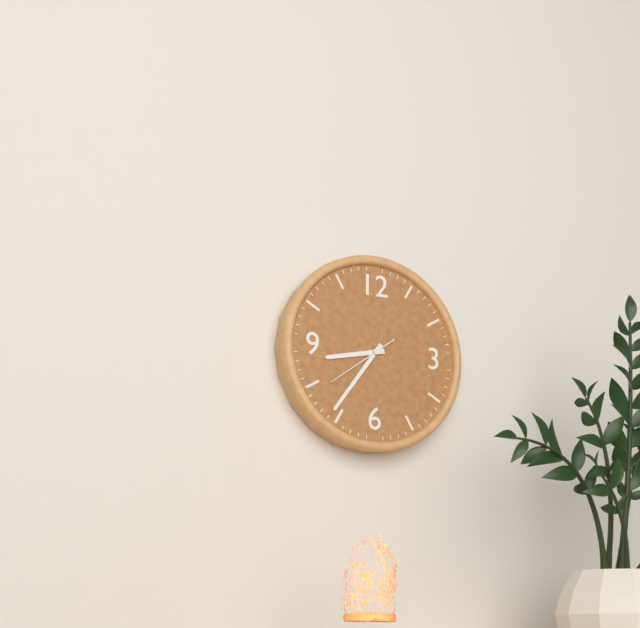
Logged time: 8 h 36 min 39 s
